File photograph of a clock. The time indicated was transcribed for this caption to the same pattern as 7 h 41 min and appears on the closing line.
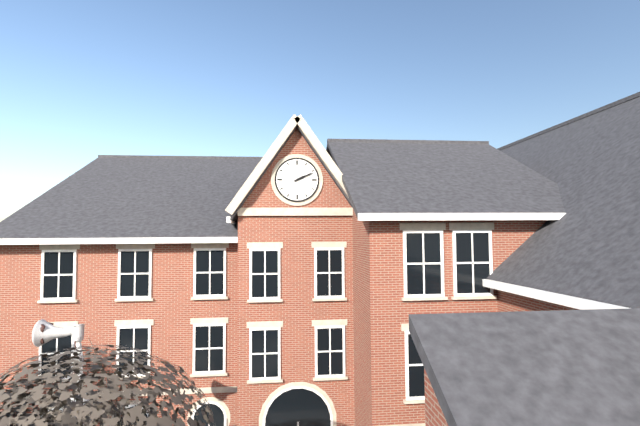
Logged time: 2 h 11 min
